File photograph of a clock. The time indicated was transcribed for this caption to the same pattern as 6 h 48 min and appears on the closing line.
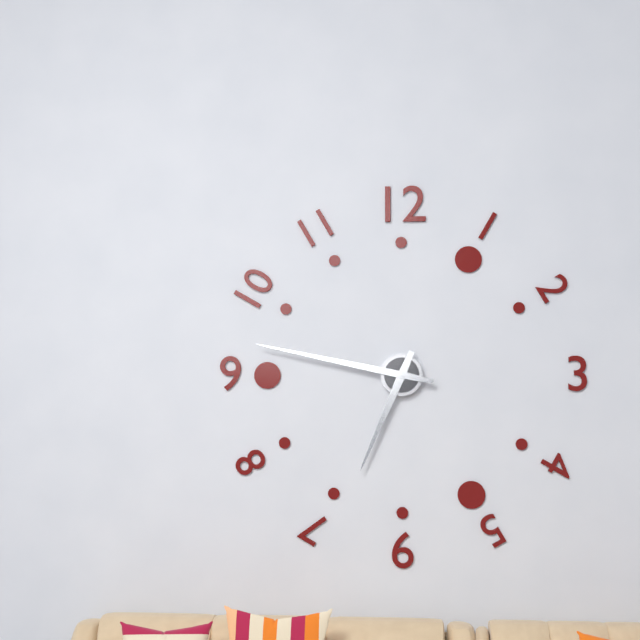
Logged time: 6 h 47 min
